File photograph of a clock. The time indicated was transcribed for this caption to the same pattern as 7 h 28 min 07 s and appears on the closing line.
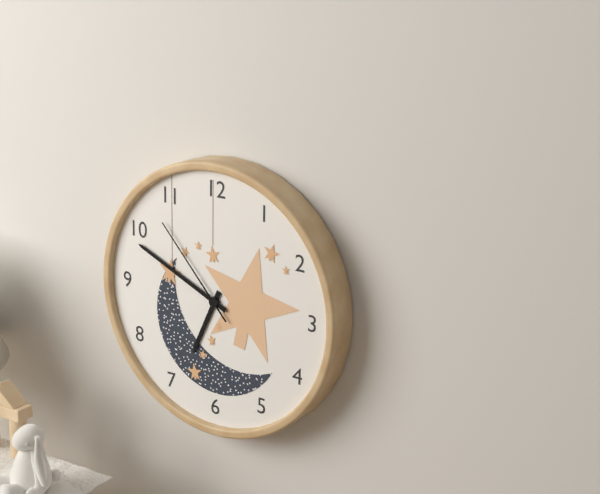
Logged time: 6 h 49 min 53 s
